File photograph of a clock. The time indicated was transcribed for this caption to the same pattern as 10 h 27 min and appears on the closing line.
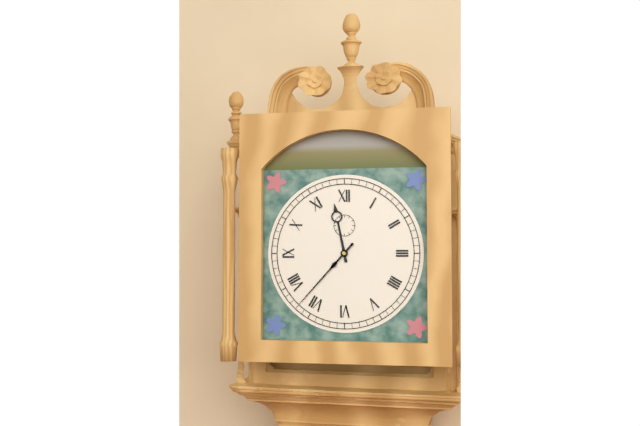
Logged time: 11 h 37 min
